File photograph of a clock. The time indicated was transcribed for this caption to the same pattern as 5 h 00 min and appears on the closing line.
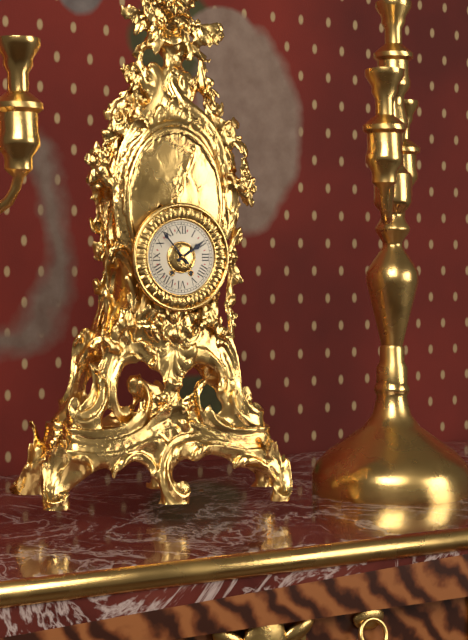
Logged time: 1 h 53 min
